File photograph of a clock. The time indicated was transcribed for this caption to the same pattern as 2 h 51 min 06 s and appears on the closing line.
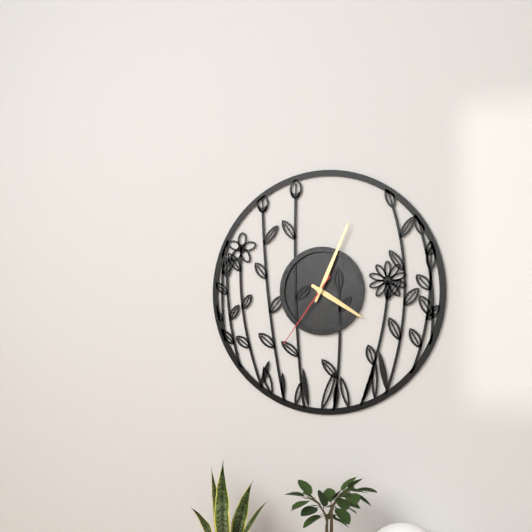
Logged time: 4 h 04 min 36 s
